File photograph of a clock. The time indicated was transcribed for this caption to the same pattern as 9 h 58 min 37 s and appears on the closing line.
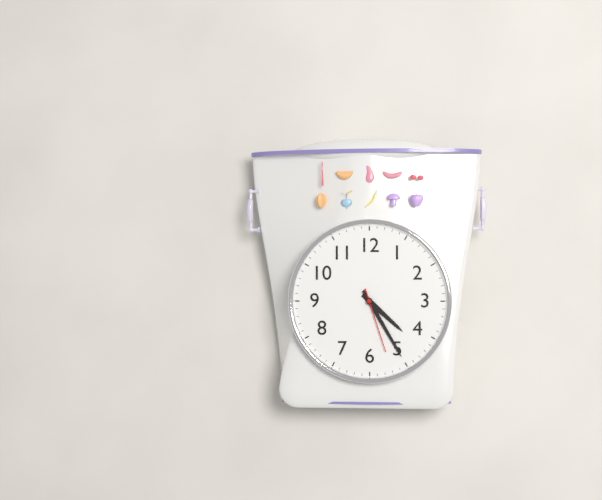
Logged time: 4 h 25 min 27 s
